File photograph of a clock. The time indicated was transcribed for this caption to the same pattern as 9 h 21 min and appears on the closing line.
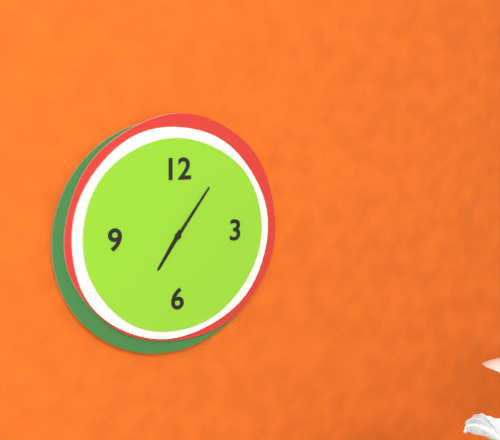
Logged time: 7 h 06 min
